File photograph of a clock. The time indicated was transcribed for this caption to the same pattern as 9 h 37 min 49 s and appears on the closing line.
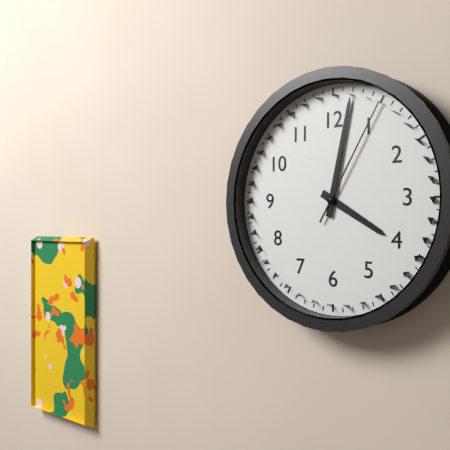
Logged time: 4 h 02 min 05 s
